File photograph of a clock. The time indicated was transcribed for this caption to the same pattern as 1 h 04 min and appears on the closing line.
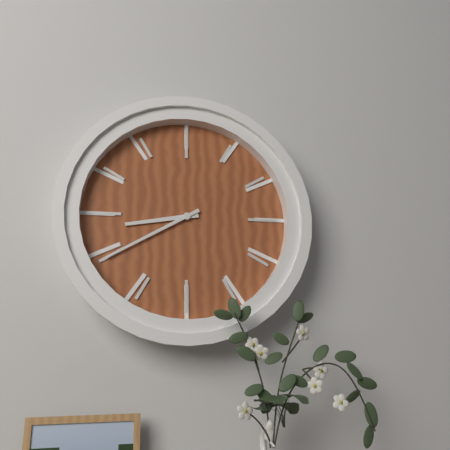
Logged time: 8 h 40 min
